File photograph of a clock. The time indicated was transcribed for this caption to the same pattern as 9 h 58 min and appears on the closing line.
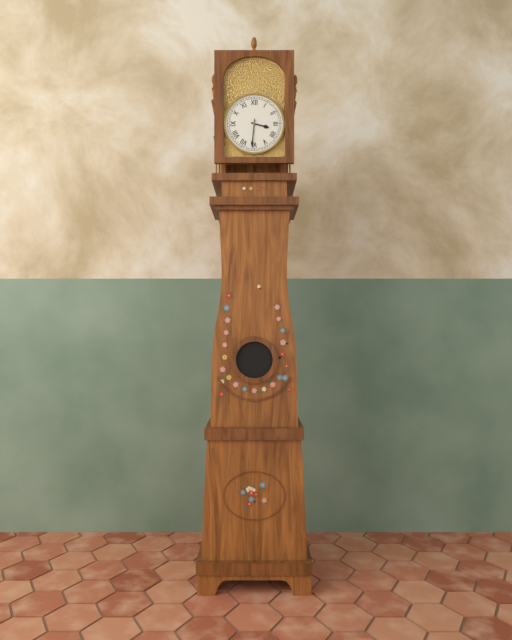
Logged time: 3 h 31 min
